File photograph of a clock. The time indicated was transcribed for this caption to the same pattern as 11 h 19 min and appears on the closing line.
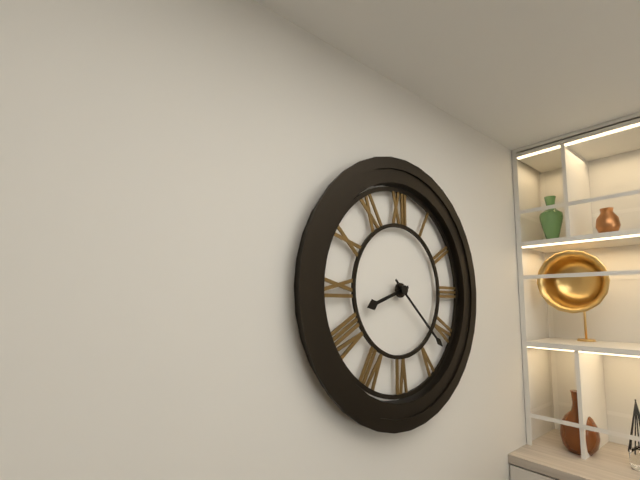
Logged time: 8 h 22 min
